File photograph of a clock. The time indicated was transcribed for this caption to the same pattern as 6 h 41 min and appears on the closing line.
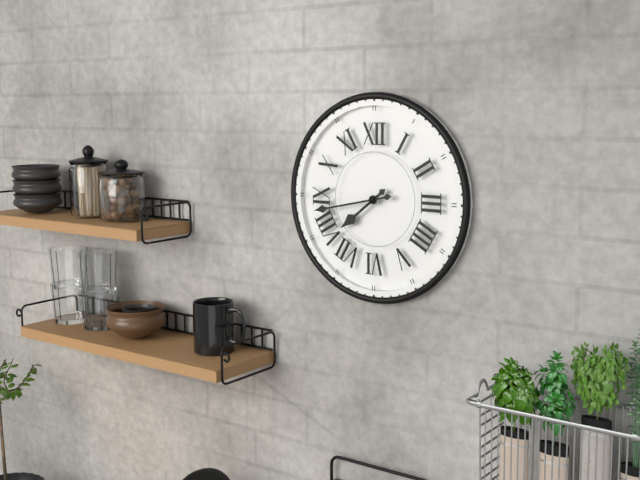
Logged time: 7 h 43 min
